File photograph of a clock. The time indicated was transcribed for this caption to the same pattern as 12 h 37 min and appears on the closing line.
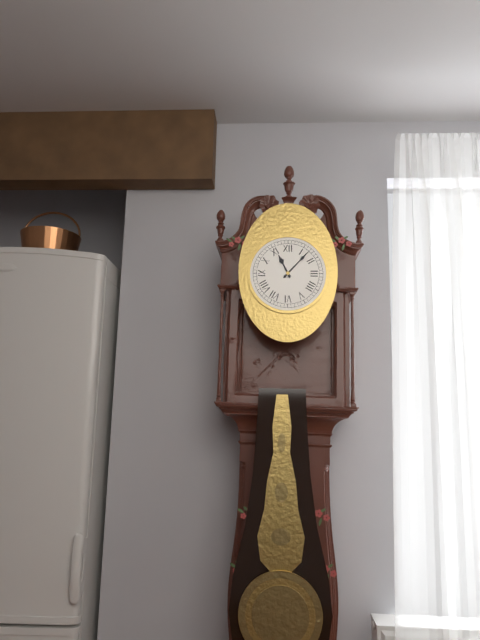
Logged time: 11 h 07 min
